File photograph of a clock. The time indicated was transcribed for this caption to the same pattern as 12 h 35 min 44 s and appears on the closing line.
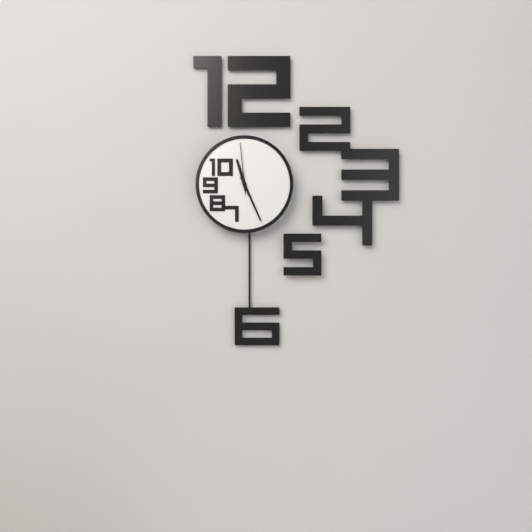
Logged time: 11 h 26 min 59 s
